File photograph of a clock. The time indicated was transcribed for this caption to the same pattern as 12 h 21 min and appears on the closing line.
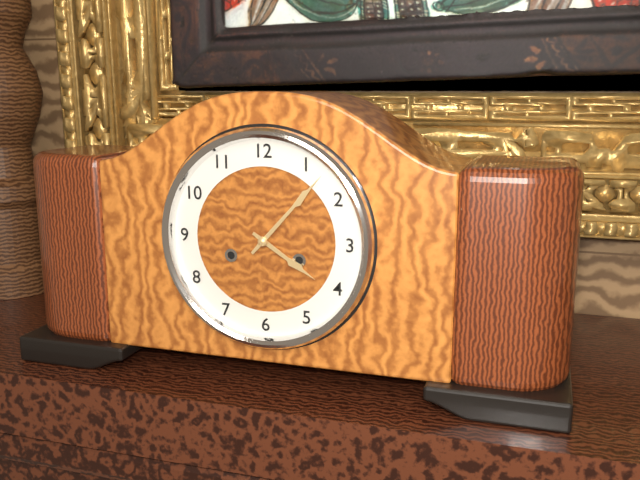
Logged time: 4 h 07 min
